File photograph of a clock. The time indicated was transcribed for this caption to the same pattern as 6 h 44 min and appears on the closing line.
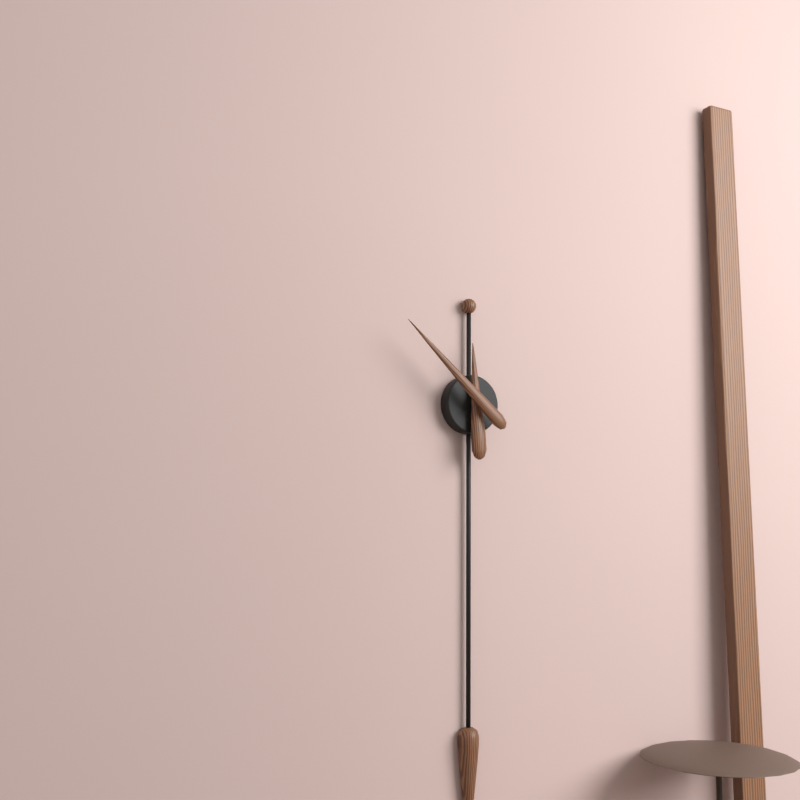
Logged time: 11 h 52 min
